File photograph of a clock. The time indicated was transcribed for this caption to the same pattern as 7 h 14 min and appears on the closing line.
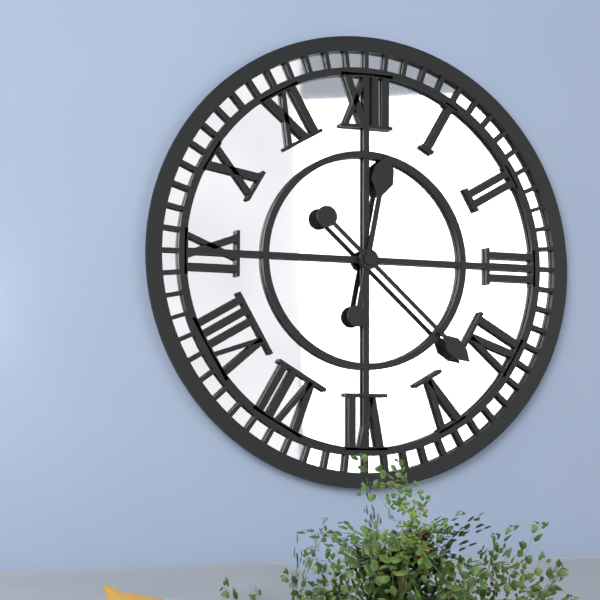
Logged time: 12 h 22 min
